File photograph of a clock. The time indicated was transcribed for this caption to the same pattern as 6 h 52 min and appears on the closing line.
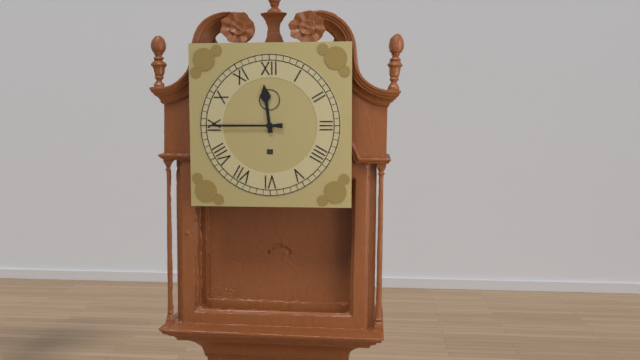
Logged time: 11 h 45 min
